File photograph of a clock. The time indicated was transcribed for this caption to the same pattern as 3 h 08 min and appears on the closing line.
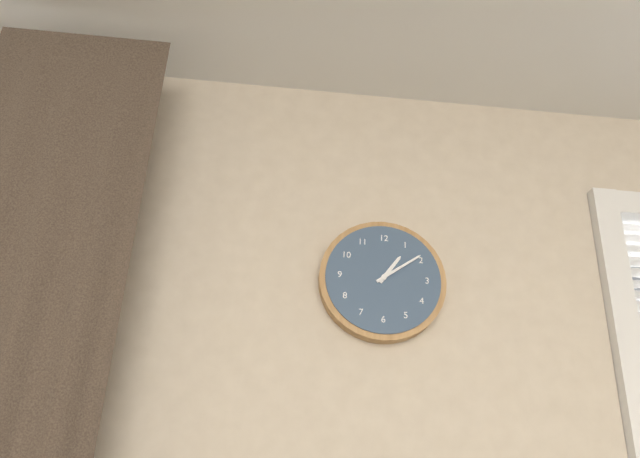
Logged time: 1 h 09 min
